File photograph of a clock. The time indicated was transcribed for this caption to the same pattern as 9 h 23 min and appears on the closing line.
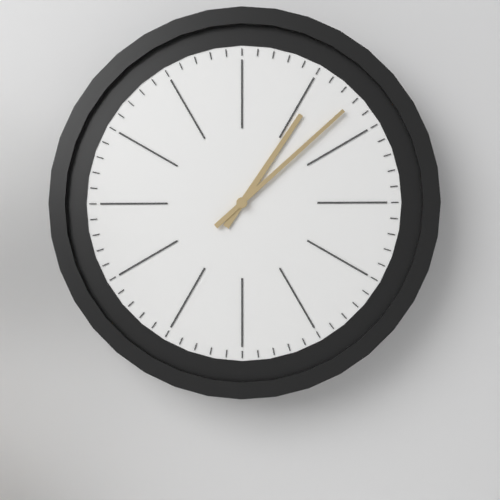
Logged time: 1 h 08 min
